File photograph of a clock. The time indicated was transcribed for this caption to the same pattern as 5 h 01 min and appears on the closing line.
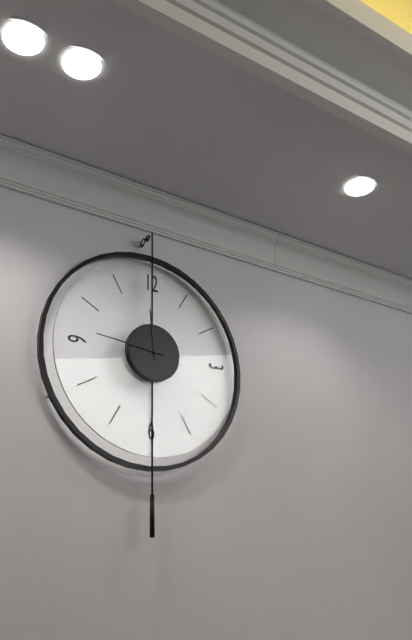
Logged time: 11 h 46 min
